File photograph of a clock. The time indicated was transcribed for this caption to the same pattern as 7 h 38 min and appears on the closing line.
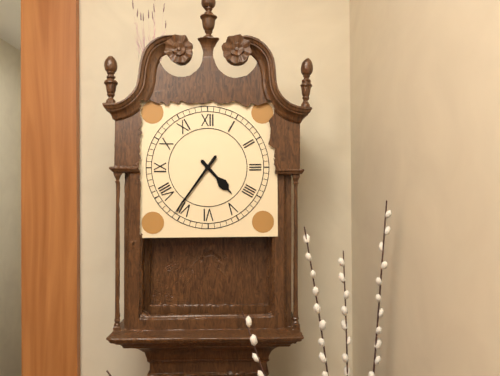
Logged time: 4 h 36 min
